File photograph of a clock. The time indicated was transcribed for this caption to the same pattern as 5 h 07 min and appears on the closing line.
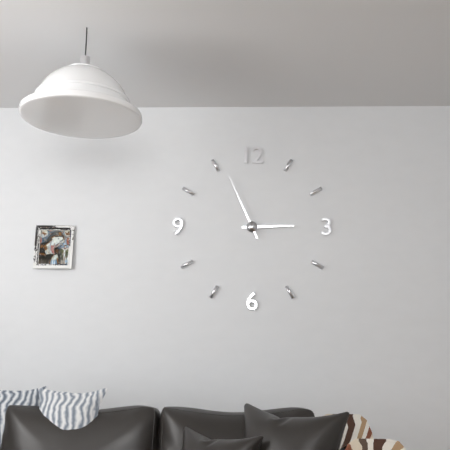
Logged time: 2 h 56 min
